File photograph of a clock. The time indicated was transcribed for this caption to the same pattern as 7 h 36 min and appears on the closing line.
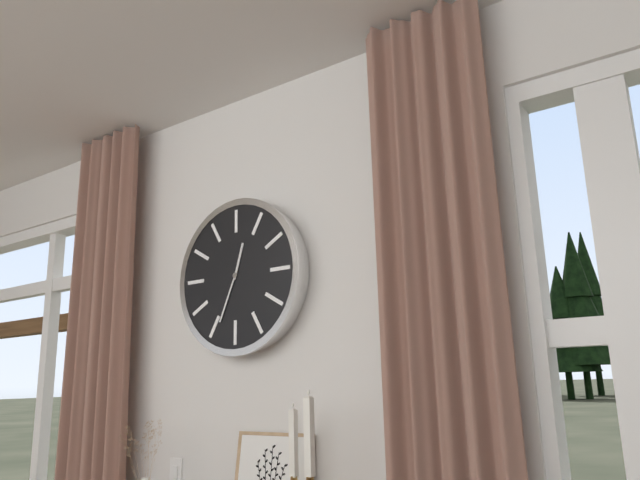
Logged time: 12 h 34 min
